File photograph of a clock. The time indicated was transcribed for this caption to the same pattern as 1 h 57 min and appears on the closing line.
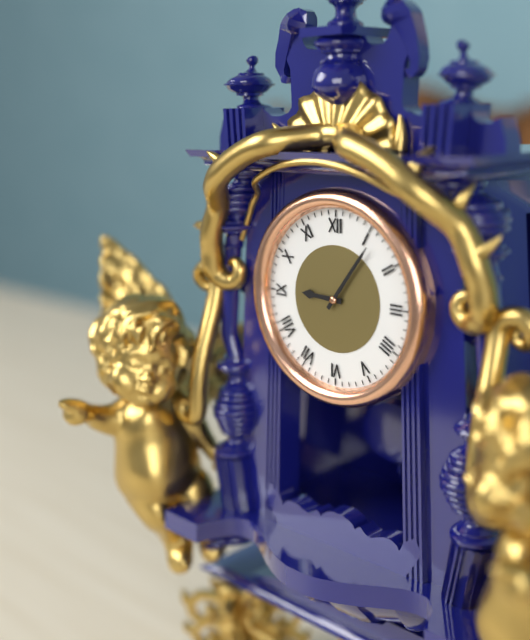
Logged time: 9 h 06 min
